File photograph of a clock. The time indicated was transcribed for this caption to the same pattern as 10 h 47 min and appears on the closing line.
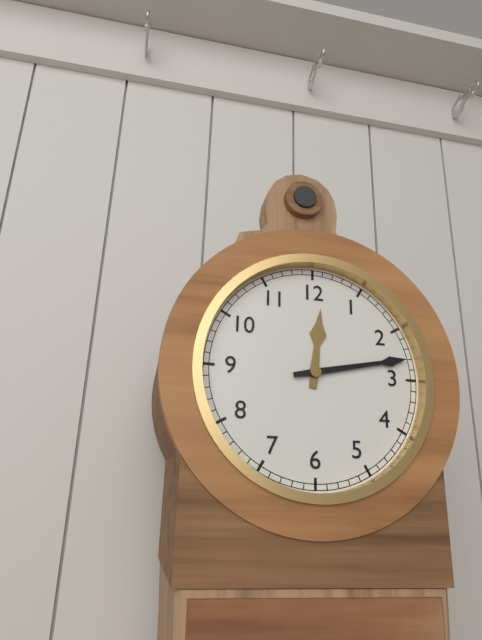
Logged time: 12 h 13 min
